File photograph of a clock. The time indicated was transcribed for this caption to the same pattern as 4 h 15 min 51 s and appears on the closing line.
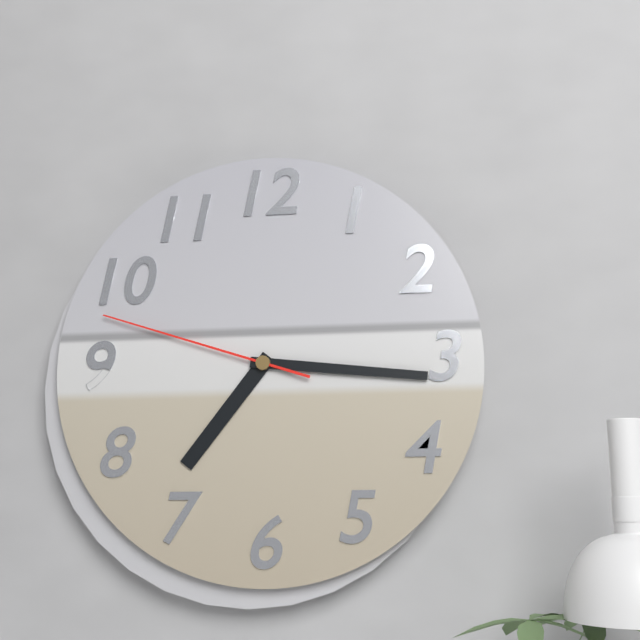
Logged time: 7 h 16 min 48 s
